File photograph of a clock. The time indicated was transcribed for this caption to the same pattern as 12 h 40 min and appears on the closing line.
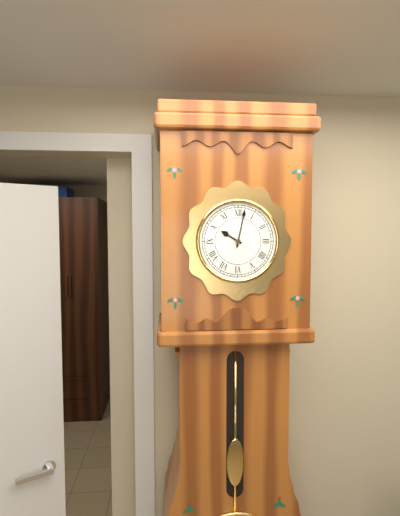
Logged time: 10 h 02 min
